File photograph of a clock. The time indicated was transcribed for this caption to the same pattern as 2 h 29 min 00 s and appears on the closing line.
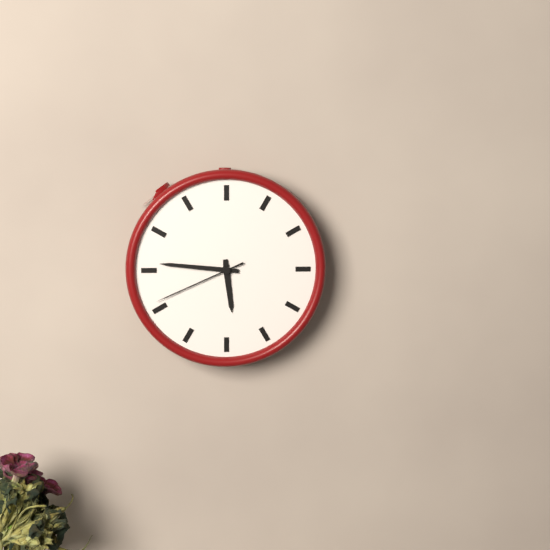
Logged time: 5 h 46 min 41 s
